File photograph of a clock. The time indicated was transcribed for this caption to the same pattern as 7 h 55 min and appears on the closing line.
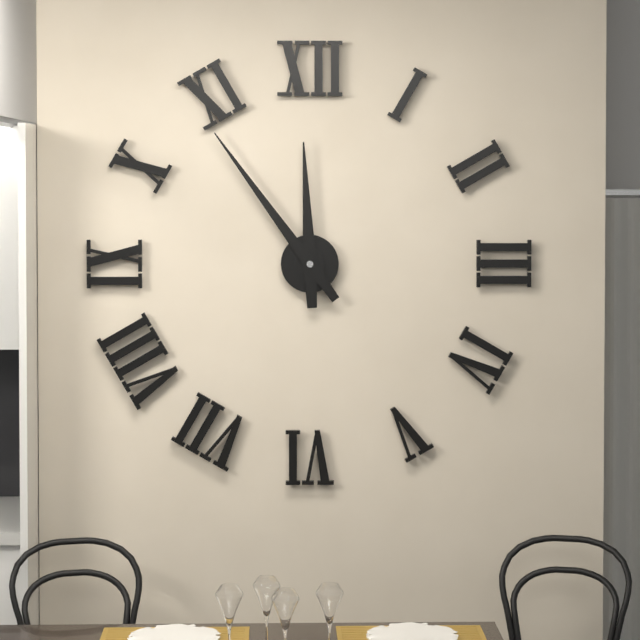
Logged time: 11 h 54 min
